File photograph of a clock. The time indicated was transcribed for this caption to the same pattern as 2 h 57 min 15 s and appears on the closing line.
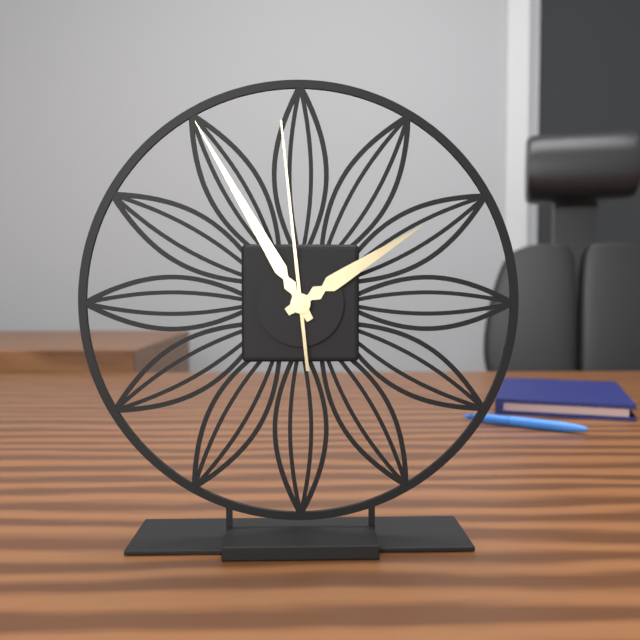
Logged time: 1 h 55 min 59 s
